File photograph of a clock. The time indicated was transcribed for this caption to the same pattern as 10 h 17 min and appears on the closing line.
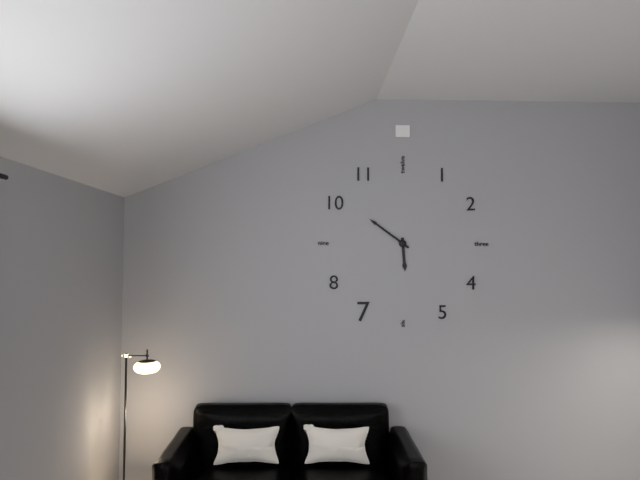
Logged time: 5 h 51 min
